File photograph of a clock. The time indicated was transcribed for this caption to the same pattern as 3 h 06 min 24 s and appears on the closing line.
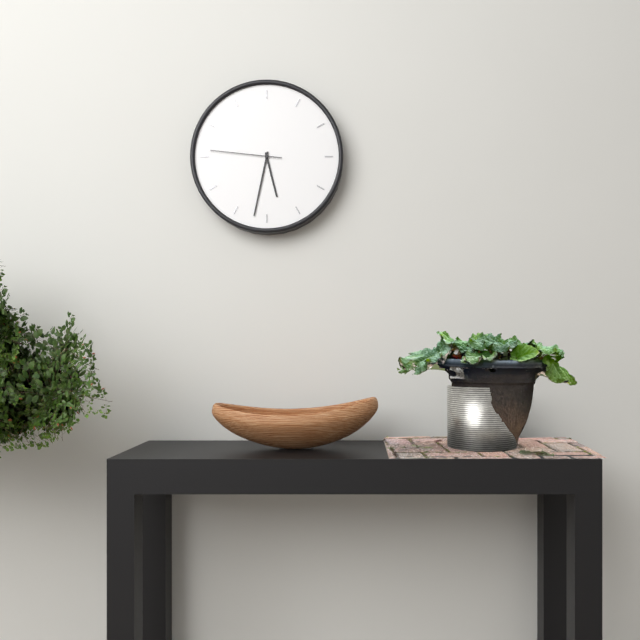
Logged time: 5 h 32 min 46 s
